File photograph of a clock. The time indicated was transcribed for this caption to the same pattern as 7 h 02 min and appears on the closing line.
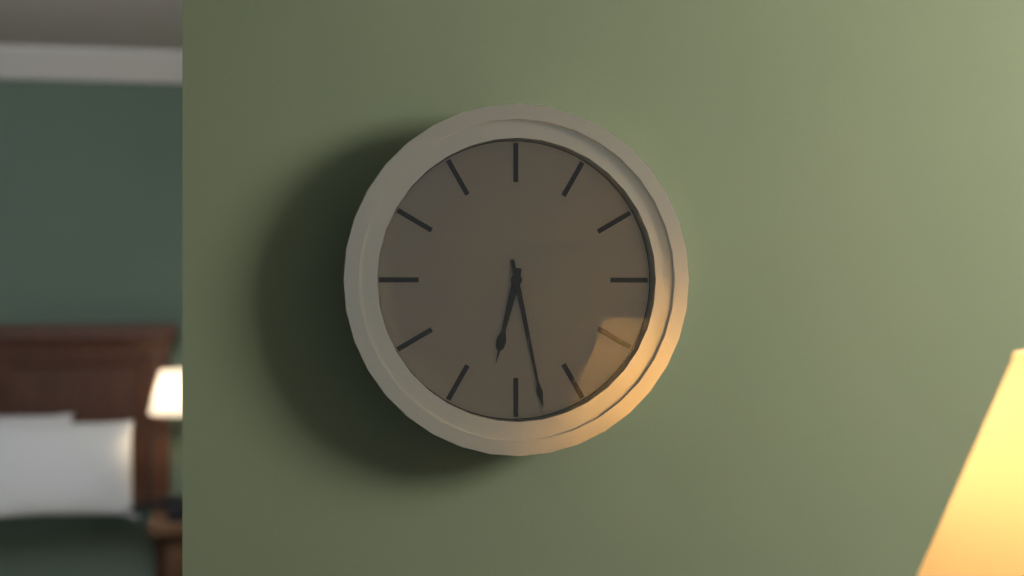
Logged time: 6 h 28 min
